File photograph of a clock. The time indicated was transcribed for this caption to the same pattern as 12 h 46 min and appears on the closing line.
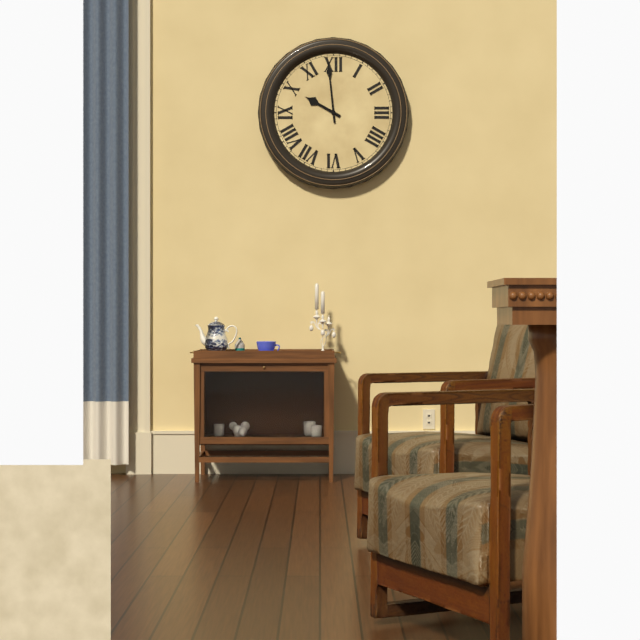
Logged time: 9 h 59 min
